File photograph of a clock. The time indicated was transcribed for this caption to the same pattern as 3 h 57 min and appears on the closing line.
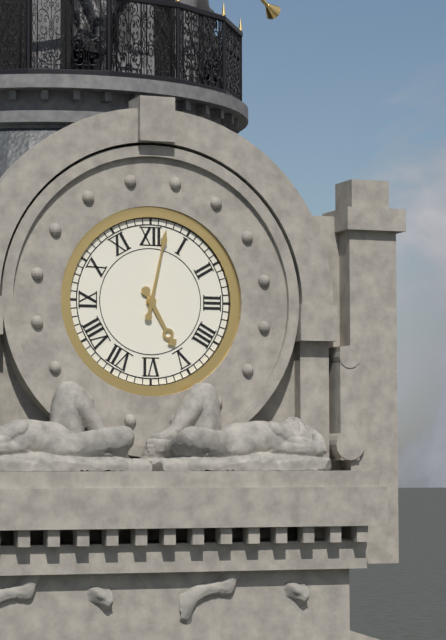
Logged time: 5 h 02 min
